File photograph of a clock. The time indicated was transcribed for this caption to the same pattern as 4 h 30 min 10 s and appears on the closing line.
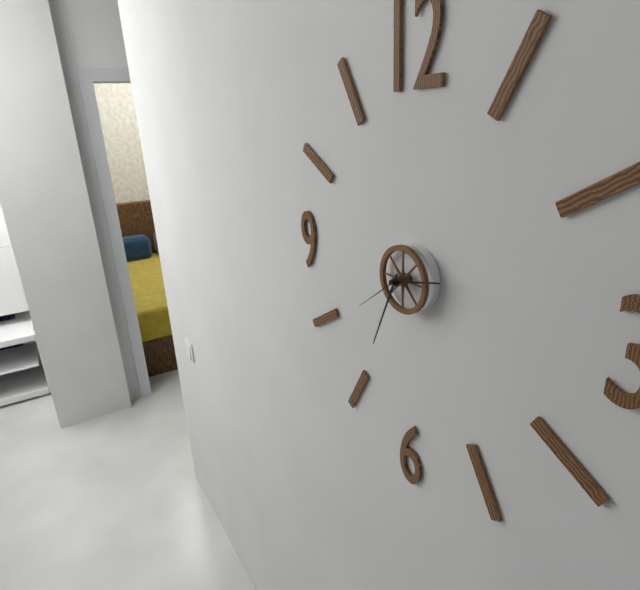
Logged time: 2 h 34 min 39 s
